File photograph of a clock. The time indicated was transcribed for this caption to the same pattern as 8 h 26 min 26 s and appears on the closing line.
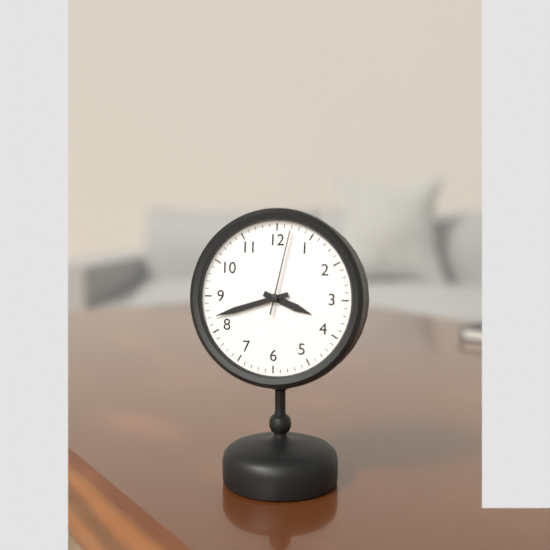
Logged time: 3 h 42 min 02 s
